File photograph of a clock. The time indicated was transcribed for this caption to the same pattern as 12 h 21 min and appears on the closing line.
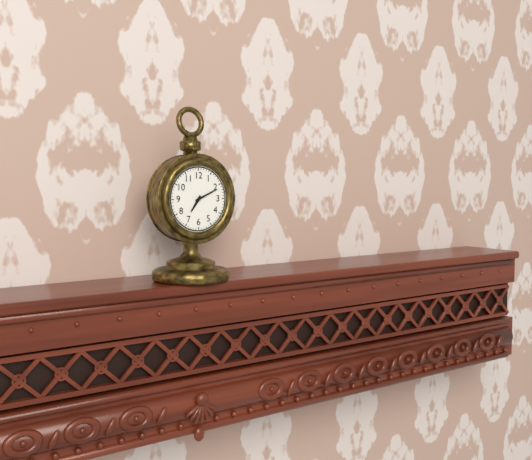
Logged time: 7 h 11 min
